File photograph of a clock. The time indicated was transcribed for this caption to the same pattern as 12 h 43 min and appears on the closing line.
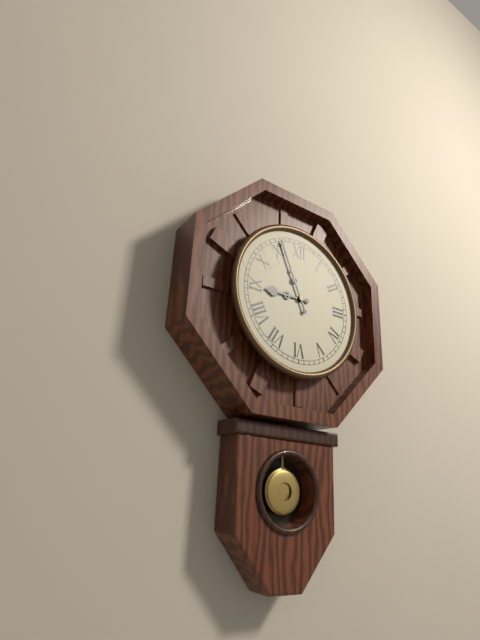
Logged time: 8 h 56 min
